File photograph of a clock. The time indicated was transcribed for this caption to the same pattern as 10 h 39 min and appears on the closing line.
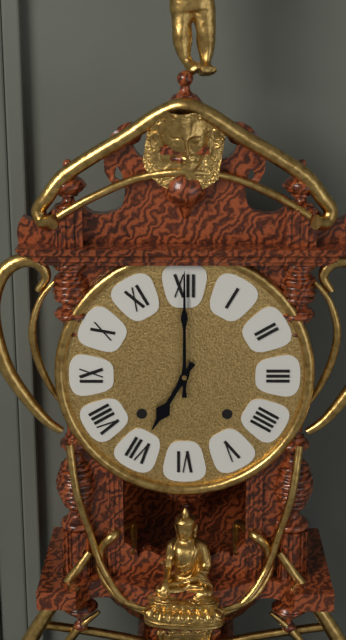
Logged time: 7 h 00 min
